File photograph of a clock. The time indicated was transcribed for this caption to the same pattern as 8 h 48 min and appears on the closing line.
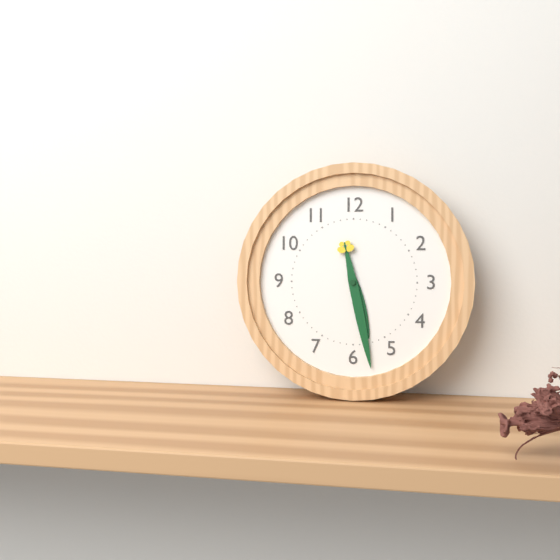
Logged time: 5 h 28 min
